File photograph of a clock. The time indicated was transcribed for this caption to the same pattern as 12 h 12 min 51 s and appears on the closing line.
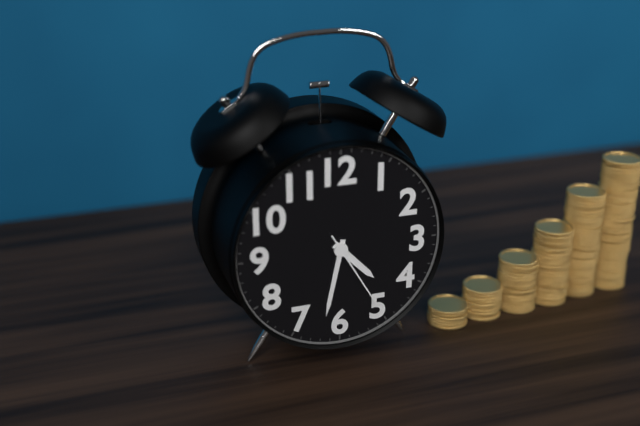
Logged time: 4 h 32 min 25 s
